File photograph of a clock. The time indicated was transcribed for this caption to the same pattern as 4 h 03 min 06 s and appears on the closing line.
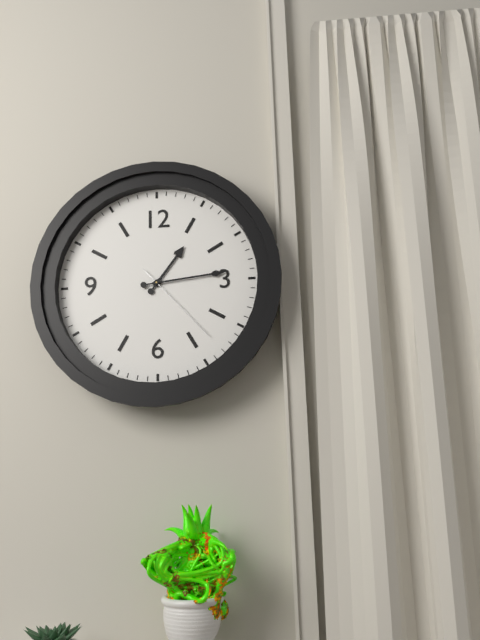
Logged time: 1 h 14 min 23 s
